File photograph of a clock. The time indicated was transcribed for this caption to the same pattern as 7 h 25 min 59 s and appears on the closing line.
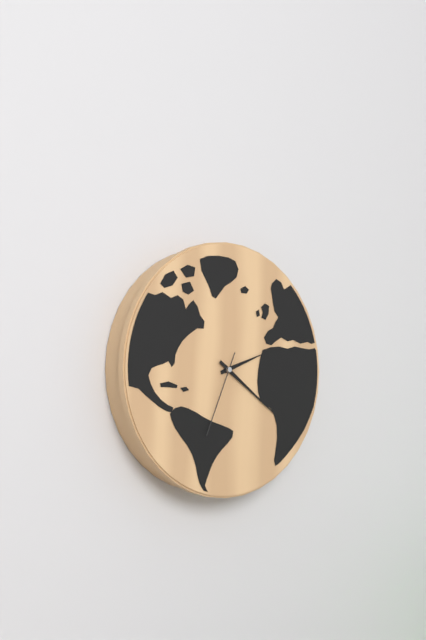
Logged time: 2 h 21 min 34 s
